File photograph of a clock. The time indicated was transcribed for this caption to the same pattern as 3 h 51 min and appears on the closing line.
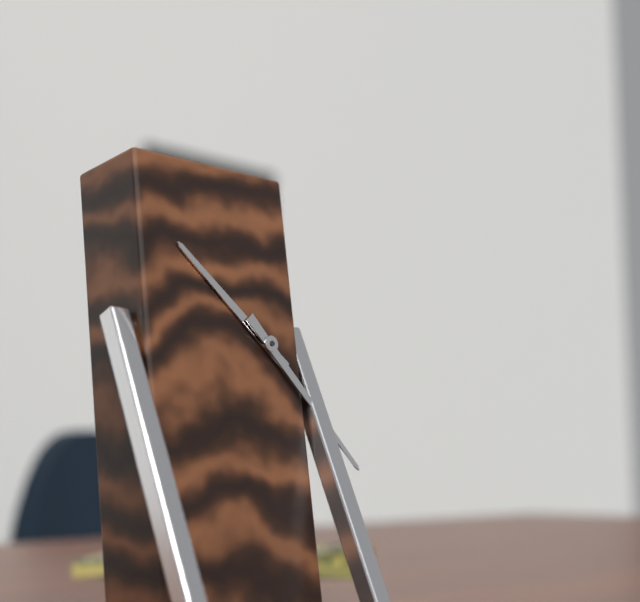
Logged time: 10 h 23 min
